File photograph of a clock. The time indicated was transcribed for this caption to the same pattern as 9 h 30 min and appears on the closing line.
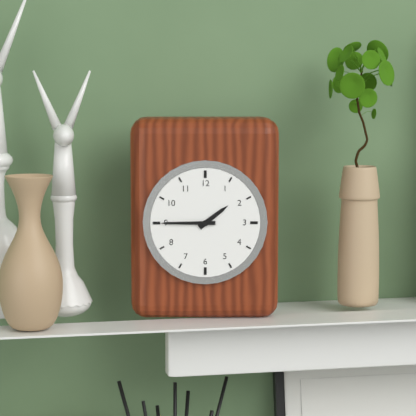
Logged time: 1 h 45 min
